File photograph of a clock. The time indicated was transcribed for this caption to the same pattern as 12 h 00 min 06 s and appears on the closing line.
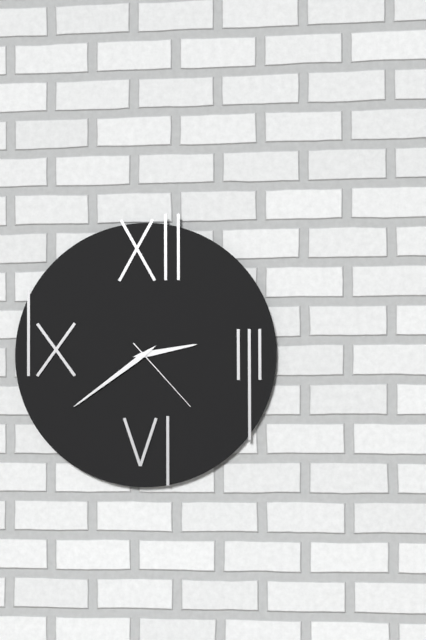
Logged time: 2 h 39 min 23 s
